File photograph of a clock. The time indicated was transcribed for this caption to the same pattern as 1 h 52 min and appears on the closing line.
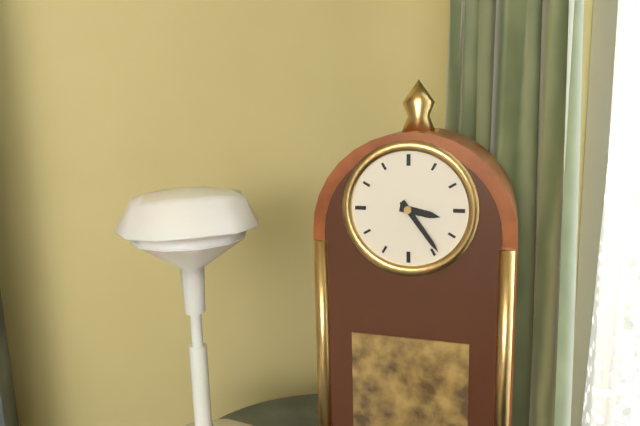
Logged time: 3 h 24 min
